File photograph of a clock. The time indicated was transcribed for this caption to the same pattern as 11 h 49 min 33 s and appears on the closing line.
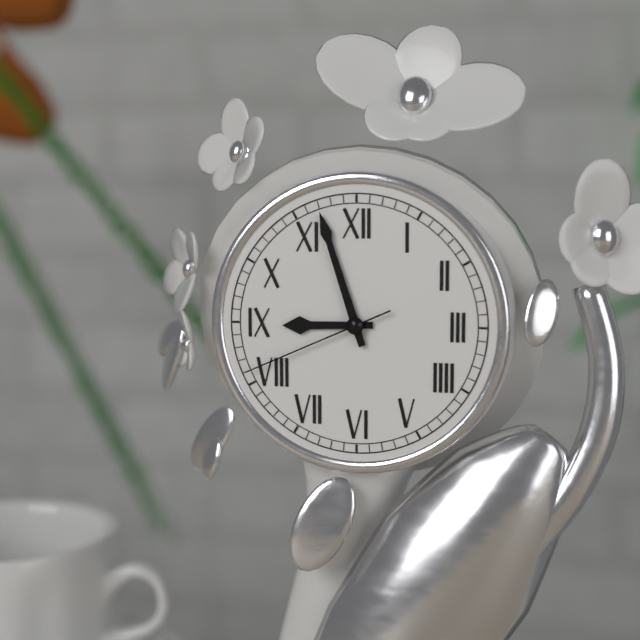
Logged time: 8 h 57 min 41 s
